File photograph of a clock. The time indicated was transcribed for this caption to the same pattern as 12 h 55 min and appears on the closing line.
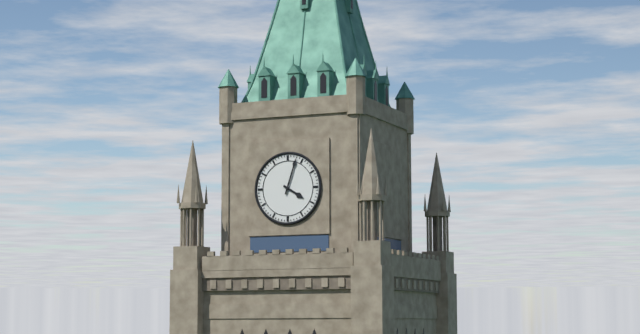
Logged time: 4 h 03 min
